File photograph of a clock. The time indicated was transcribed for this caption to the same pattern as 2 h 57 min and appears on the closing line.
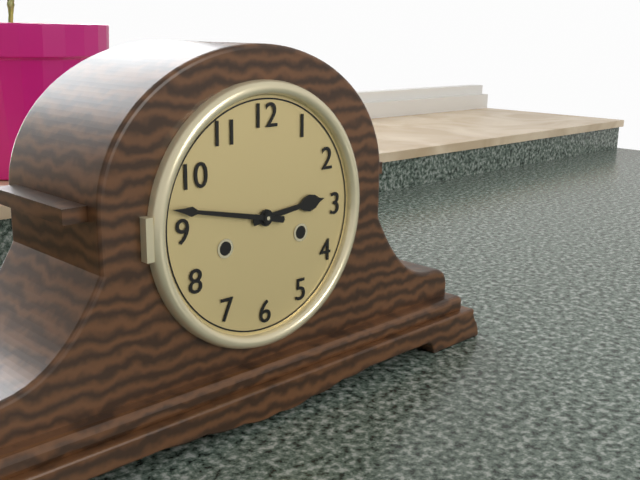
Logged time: 2 h 47 min
